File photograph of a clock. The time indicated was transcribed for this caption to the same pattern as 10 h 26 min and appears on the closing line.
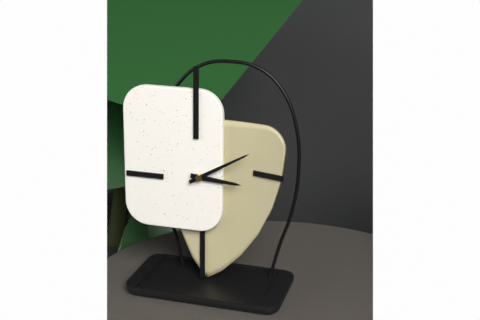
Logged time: 3 h 10 min
